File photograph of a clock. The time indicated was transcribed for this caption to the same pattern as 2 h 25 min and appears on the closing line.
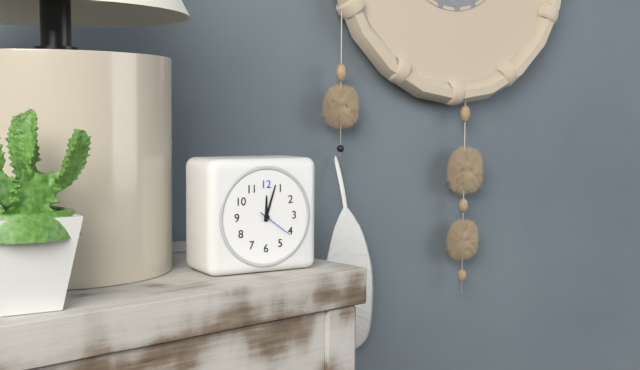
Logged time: 12 h 03 min
